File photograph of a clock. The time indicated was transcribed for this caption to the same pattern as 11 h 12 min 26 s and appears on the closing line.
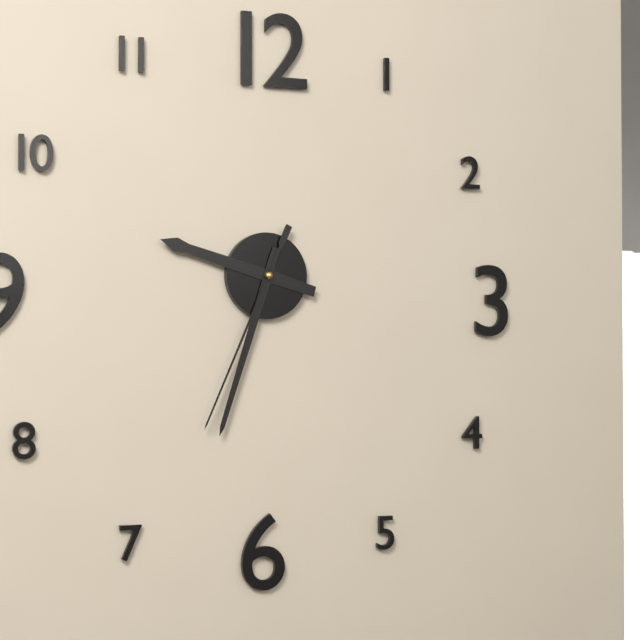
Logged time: 9 h 33 min 34 s
